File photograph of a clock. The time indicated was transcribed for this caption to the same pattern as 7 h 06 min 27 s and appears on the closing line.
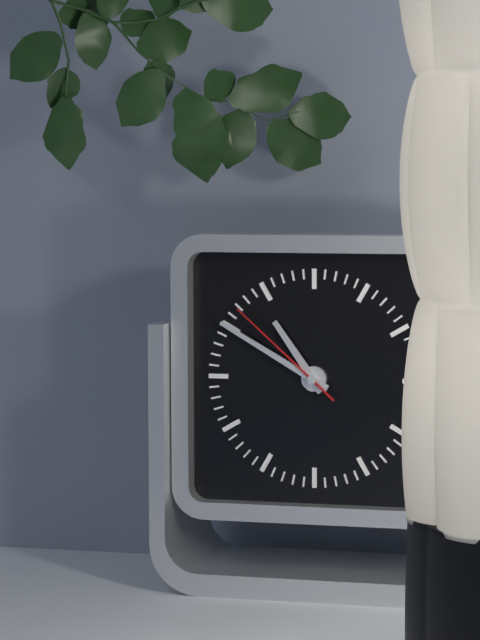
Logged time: 10 h 50 min 52 s
